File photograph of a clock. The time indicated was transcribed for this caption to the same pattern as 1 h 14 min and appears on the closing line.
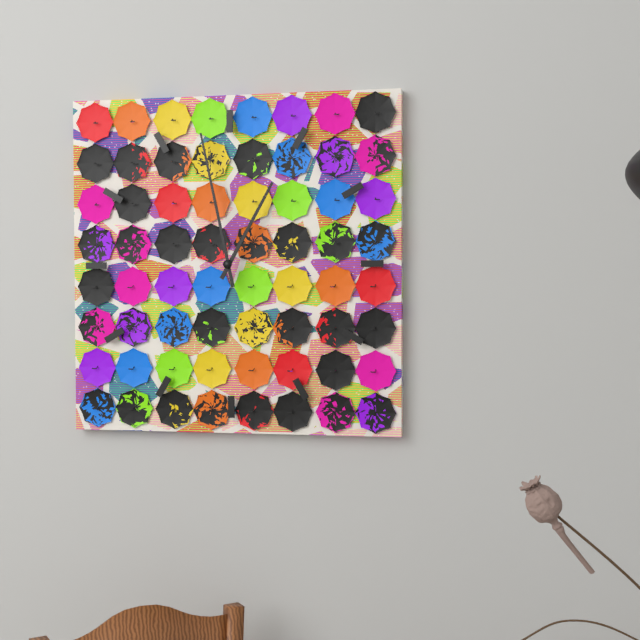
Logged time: 12 h 58 min
